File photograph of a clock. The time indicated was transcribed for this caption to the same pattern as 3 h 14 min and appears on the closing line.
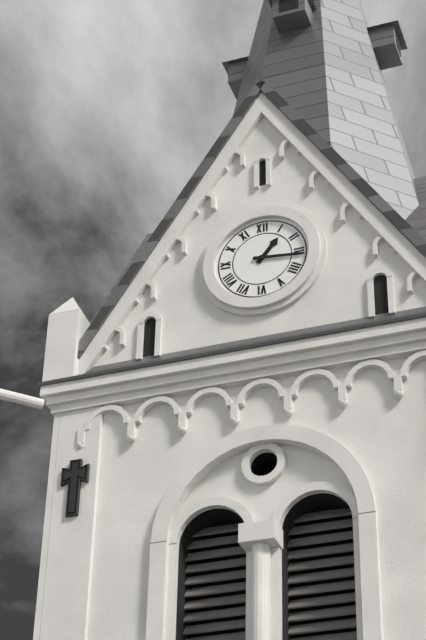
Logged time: 1 h 16 min
